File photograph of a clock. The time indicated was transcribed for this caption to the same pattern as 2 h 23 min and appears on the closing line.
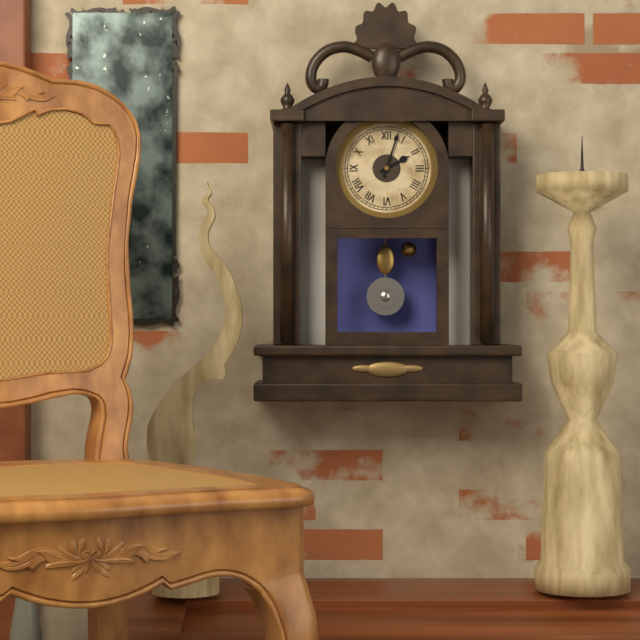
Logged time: 2 h 03 min
